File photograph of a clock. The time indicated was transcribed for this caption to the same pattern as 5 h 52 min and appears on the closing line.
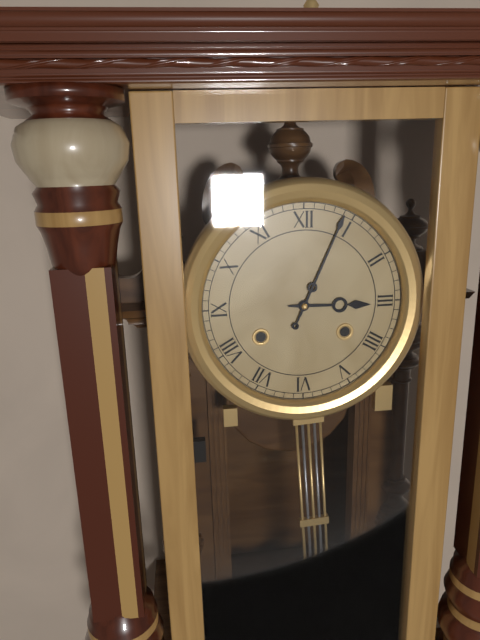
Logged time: 3 h 04 min
